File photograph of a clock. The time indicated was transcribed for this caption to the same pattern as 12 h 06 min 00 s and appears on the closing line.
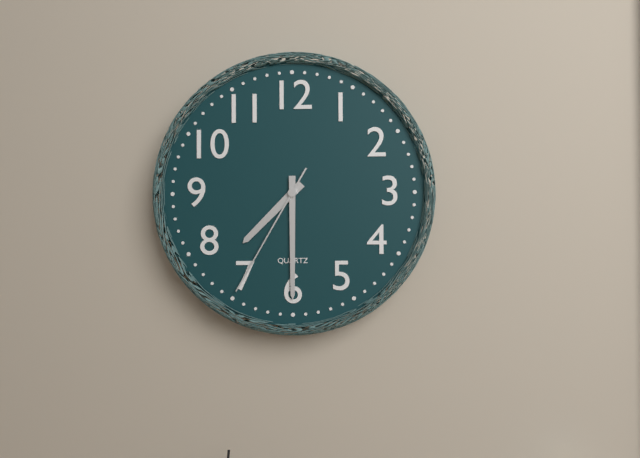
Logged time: 7 h 30 min 35 s
